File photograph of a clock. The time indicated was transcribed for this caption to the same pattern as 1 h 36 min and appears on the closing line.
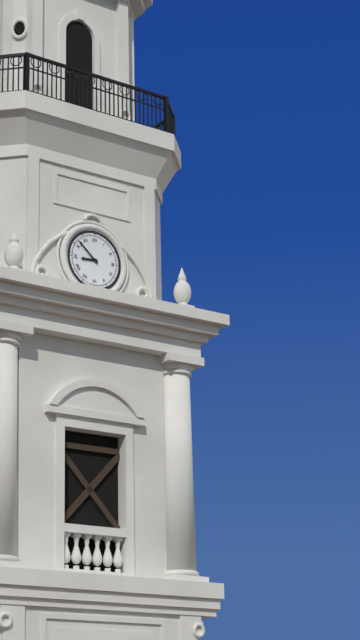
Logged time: 8 h 52 min
